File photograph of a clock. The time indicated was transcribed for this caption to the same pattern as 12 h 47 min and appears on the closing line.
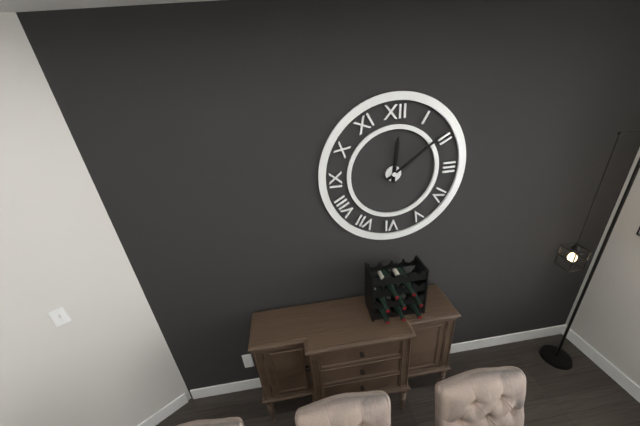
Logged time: 12 h 09 min
